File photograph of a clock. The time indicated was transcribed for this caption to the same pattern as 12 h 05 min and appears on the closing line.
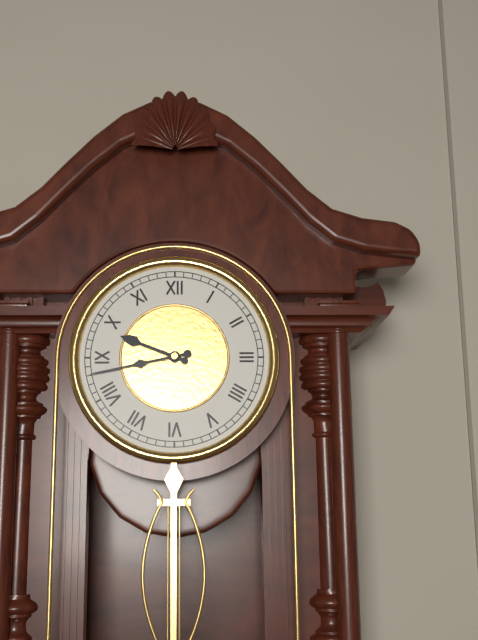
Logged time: 9 h 43 min
